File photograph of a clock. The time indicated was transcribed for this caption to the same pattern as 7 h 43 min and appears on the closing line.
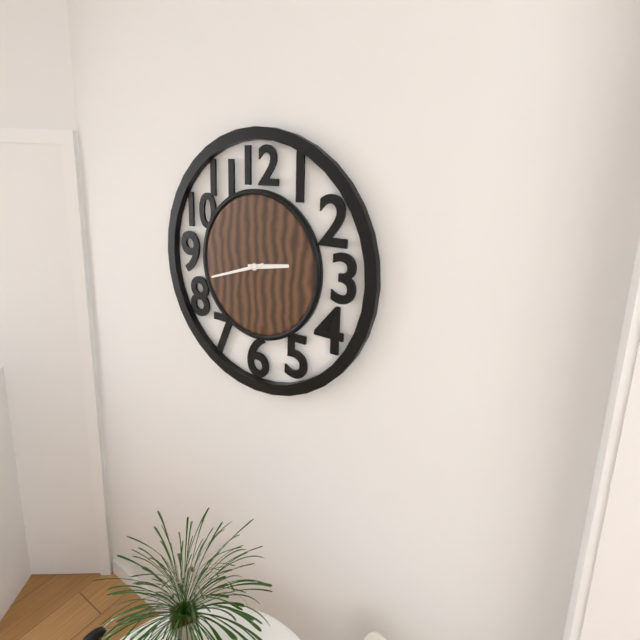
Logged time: 2 h 42 min
